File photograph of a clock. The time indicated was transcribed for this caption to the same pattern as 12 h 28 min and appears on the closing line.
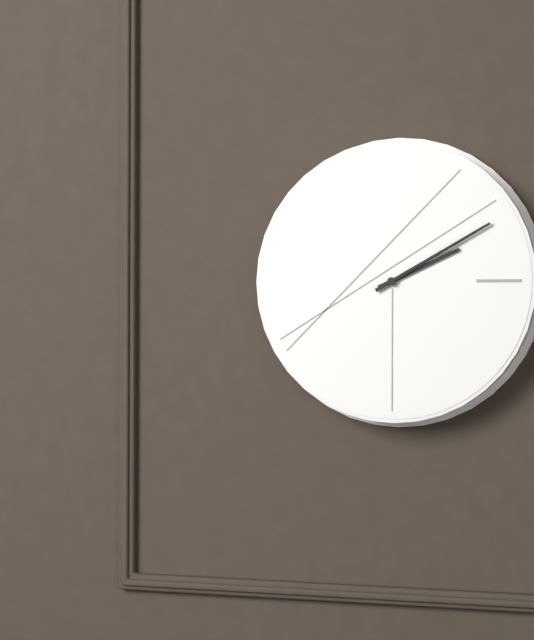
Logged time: 2 h 10 min
